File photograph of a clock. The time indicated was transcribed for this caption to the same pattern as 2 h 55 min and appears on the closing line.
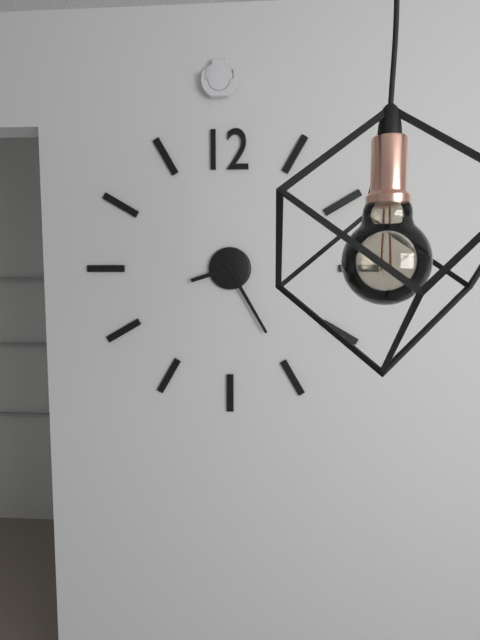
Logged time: 8 h 25 min
